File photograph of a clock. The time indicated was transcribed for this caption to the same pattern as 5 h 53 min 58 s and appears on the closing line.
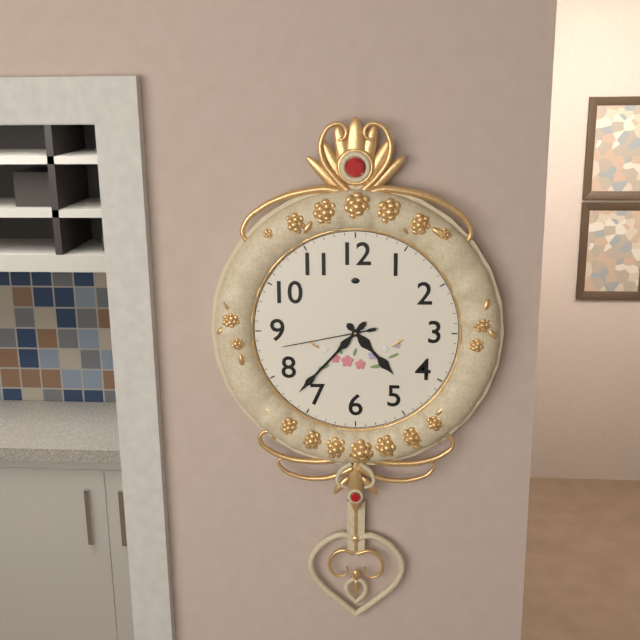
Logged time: 4 h 37 min 43 s
